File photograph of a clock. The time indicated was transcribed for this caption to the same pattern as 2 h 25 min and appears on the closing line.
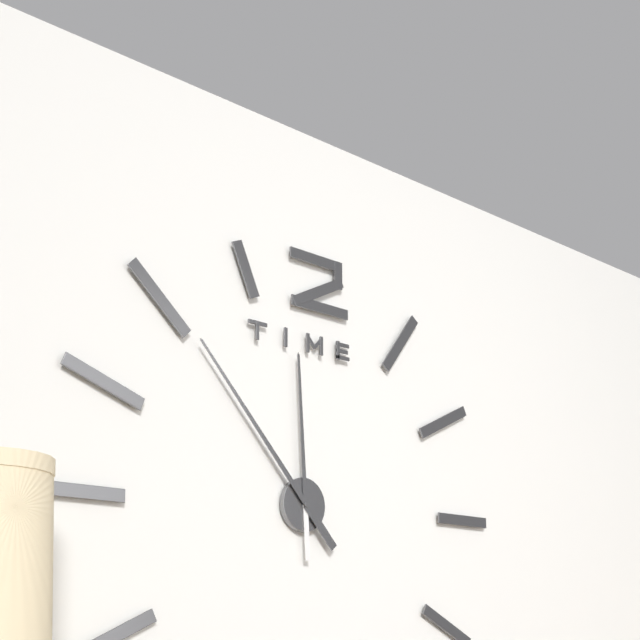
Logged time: 11 h 53 min
